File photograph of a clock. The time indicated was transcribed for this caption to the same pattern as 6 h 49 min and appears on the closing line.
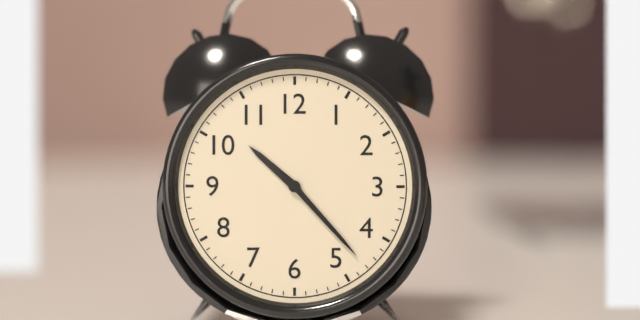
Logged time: 10 h 23 min
